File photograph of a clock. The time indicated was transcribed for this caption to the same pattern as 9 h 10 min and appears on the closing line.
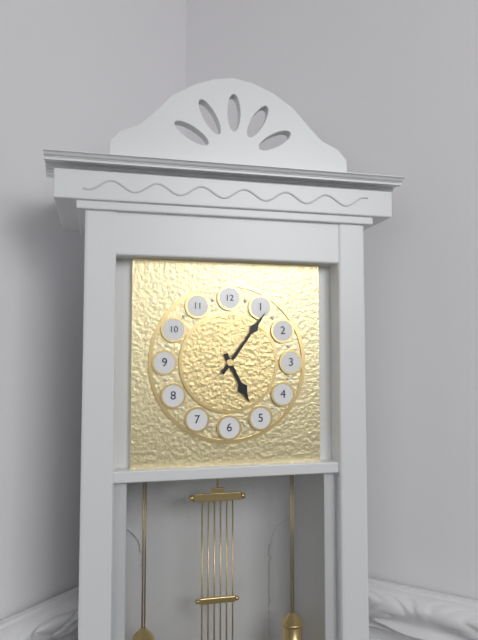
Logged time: 5 h 06 min
